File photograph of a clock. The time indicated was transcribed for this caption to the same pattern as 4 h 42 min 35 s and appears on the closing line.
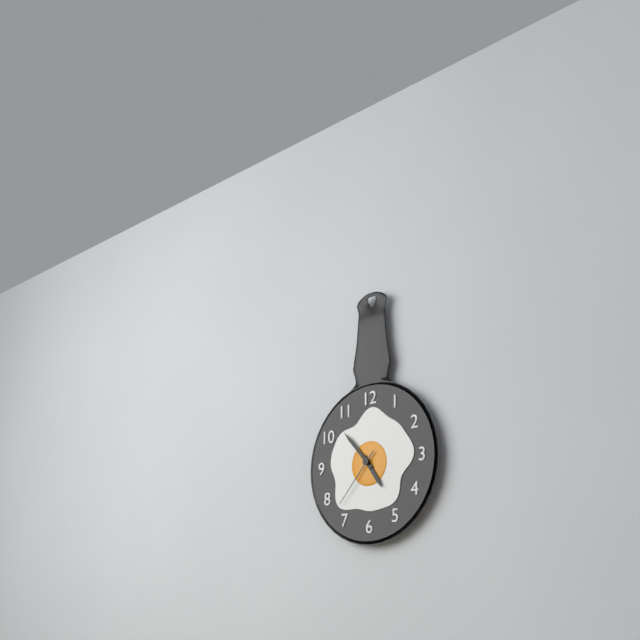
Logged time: 4 h 53 min 37 s
